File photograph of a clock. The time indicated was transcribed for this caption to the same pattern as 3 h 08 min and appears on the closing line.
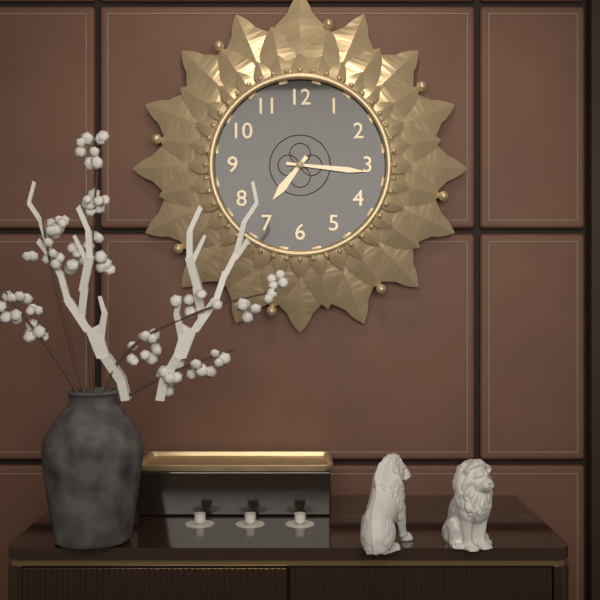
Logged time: 7 h 16 min
